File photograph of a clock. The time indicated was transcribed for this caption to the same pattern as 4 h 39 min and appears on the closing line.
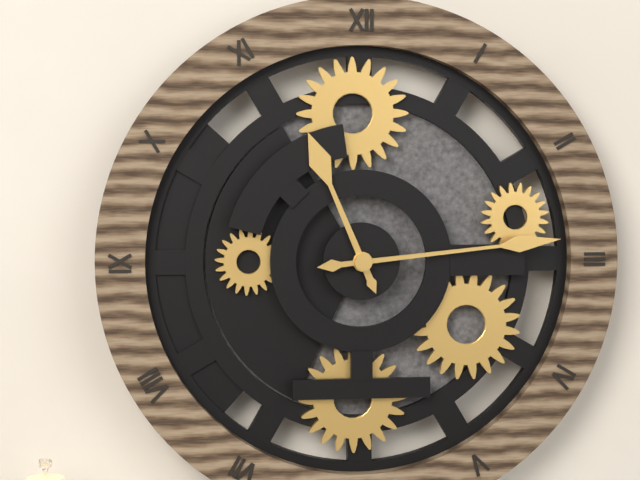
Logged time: 11 h 14 min
